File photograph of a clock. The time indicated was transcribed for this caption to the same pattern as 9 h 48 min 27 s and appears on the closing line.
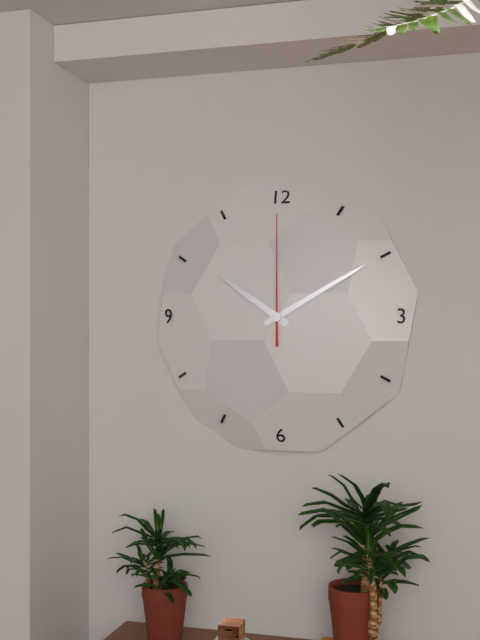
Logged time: 10 h 10 min 00 s
